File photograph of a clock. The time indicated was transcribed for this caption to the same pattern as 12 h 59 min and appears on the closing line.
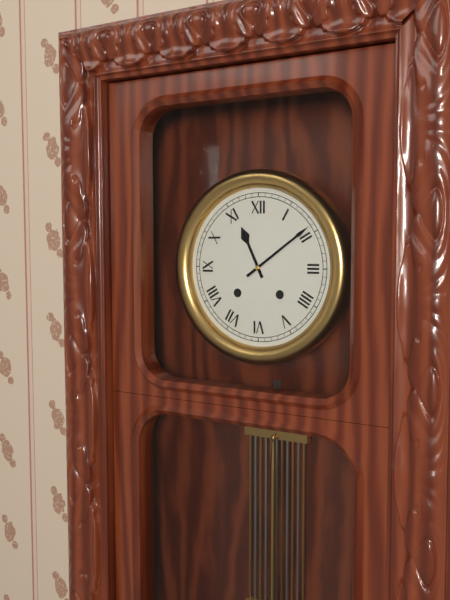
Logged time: 11 h 09 min
